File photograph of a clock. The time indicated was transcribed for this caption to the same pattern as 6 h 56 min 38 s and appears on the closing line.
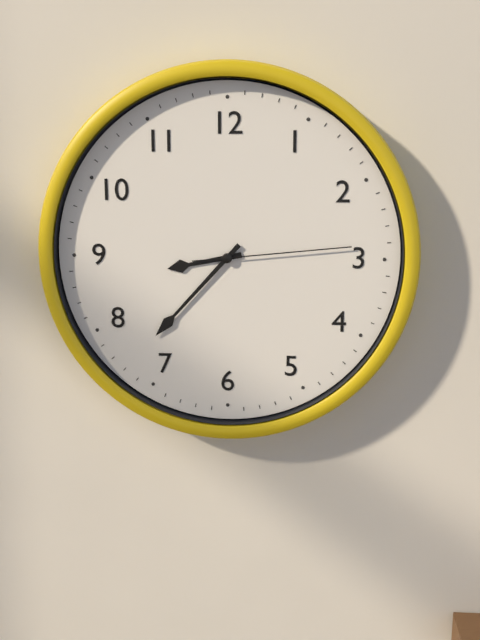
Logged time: 8 h 37 min 14 s
